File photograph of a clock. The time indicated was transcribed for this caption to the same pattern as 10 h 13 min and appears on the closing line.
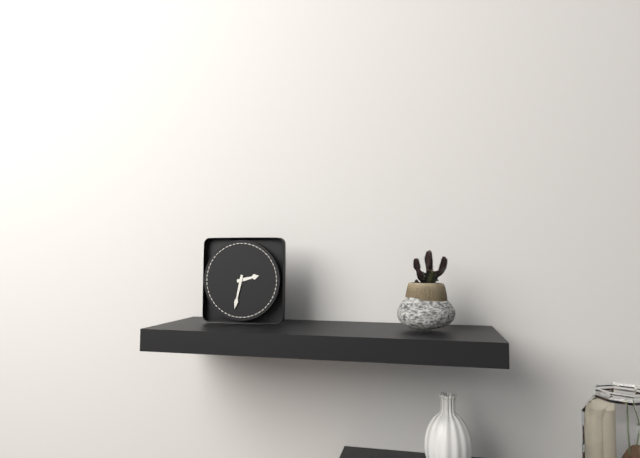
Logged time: 2 h 32 min
